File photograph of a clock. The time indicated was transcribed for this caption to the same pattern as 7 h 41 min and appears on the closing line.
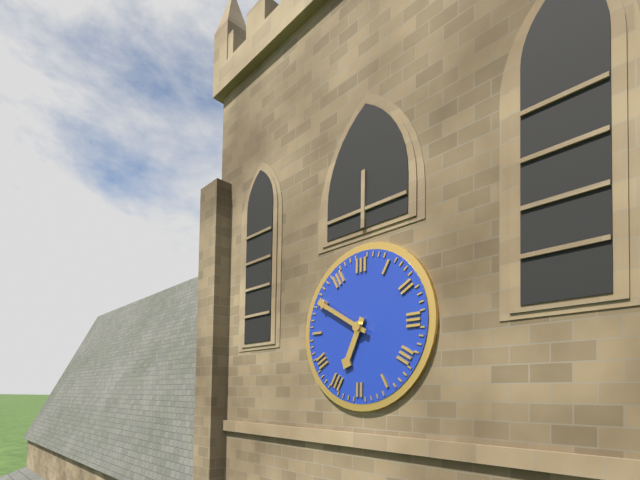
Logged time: 6 h 50 min
